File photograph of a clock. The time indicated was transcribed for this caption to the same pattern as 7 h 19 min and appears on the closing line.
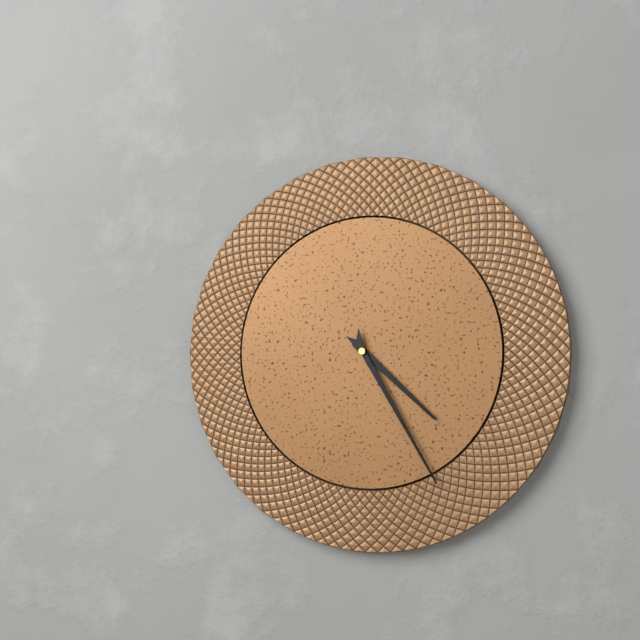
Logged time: 4 h 25 min
